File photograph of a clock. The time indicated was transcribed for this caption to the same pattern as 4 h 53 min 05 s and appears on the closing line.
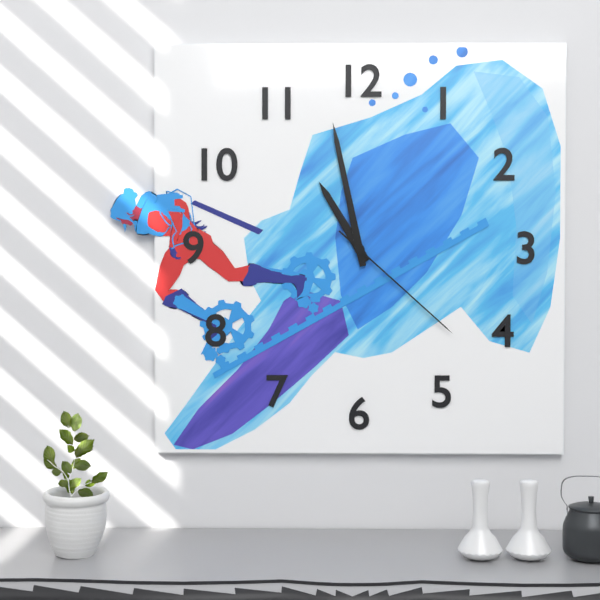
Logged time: 10 h 58 min 22 s
